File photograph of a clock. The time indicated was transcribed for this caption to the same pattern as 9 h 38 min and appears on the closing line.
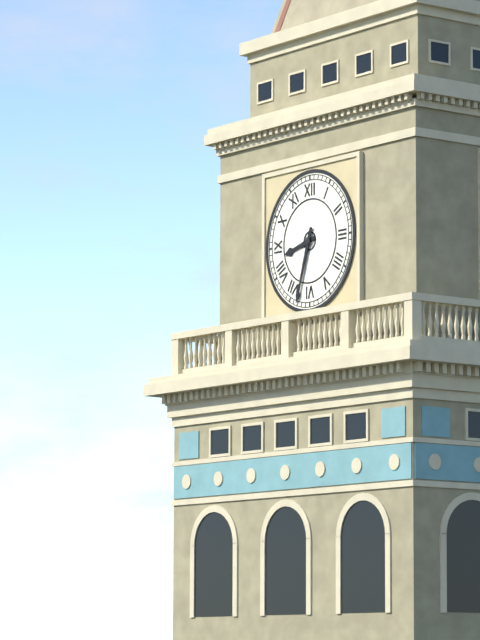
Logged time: 8 h 33 min
